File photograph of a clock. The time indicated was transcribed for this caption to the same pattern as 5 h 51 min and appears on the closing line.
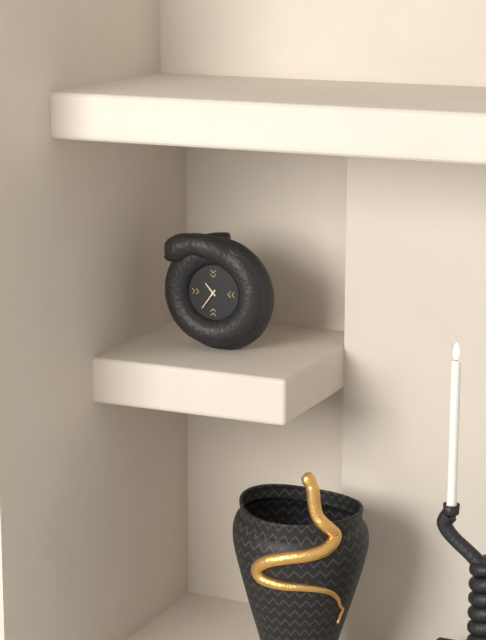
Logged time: 10 h 36 min
